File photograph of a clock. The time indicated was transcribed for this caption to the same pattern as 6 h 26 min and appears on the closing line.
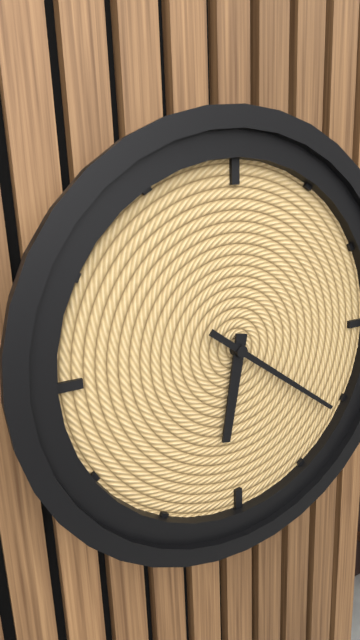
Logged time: 6 h 21 min
